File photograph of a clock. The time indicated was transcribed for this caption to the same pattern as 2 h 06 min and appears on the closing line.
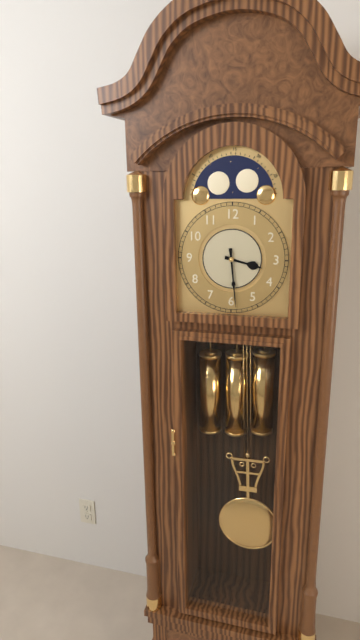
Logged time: 3 h 29 min
